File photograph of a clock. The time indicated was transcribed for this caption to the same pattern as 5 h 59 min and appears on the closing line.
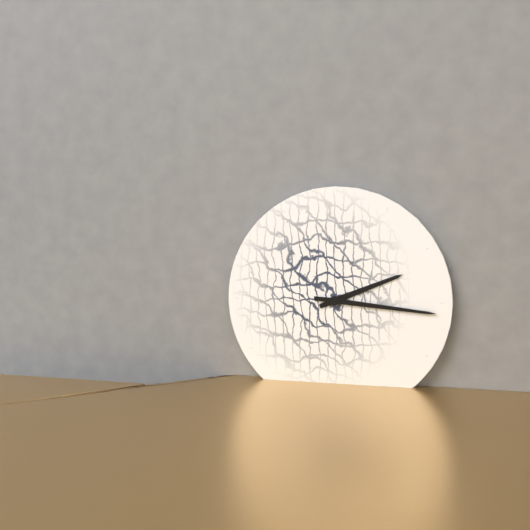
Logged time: 2 h 16 min
